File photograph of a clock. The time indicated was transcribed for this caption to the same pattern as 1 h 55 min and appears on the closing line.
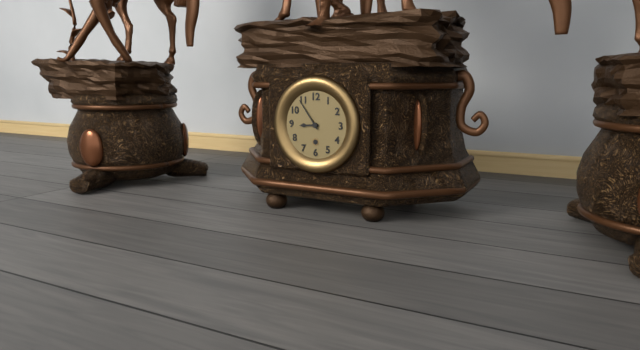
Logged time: 8 h 54 min
